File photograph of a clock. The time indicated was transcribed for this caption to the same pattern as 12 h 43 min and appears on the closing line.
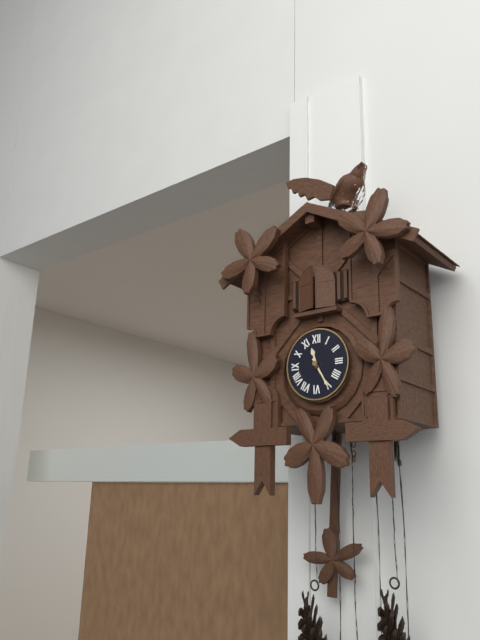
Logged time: 11 h 25 min
